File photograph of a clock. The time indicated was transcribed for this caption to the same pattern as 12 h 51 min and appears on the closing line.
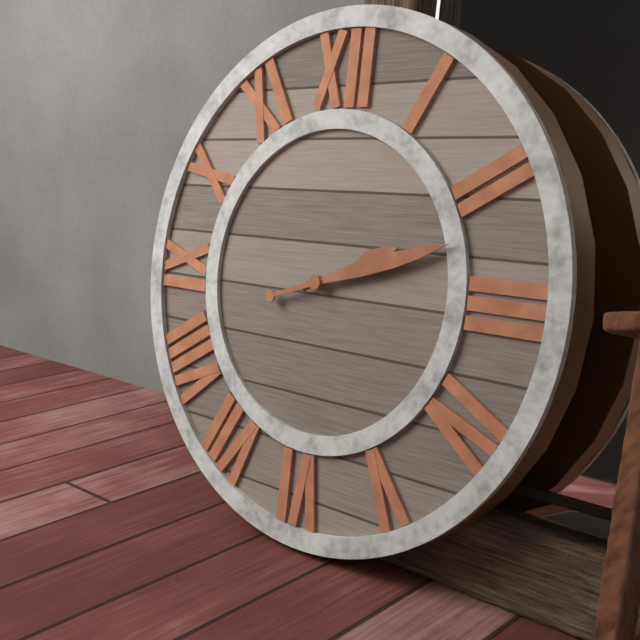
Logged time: 2 h 12 min
